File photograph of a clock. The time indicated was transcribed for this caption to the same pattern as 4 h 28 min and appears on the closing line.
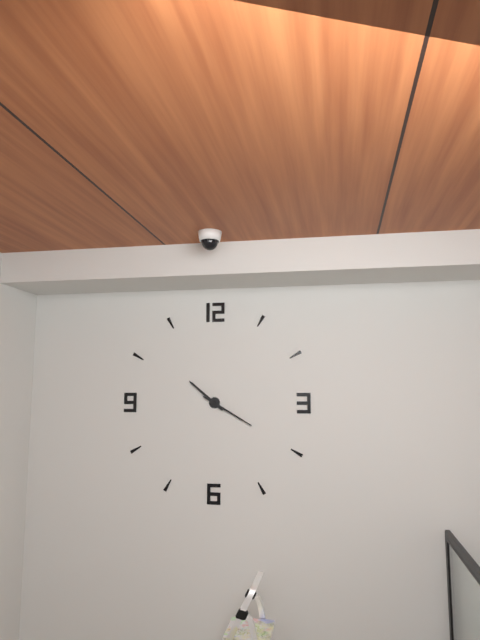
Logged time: 10 h 20 min
